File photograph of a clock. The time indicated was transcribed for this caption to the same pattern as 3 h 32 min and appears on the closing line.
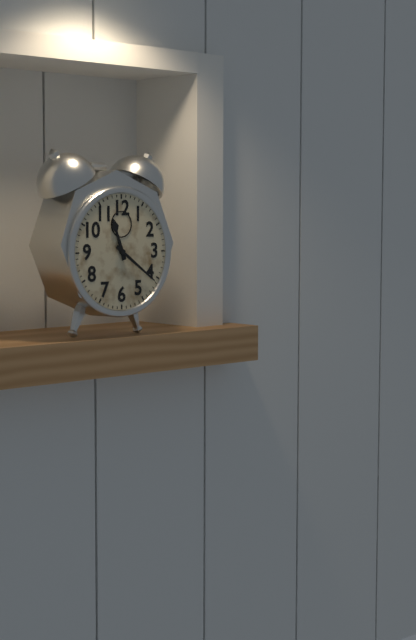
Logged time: 11 h 21 min
